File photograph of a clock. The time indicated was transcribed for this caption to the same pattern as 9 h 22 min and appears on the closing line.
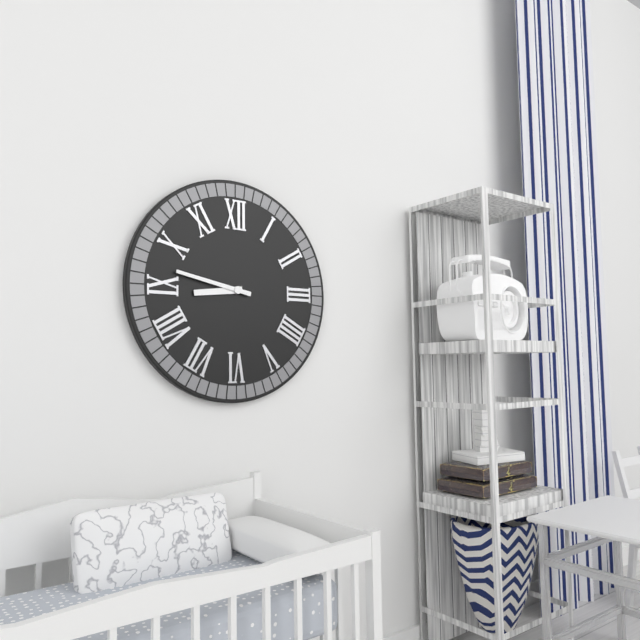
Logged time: 8 h 47 min
